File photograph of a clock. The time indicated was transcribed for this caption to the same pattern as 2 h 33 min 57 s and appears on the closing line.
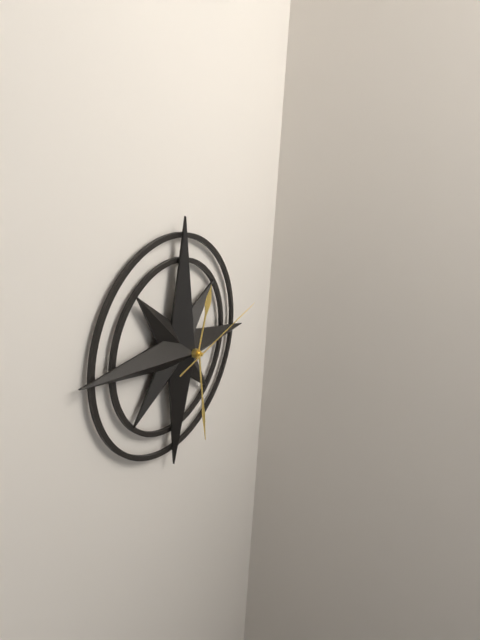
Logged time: 12 h 28 min 12 s
